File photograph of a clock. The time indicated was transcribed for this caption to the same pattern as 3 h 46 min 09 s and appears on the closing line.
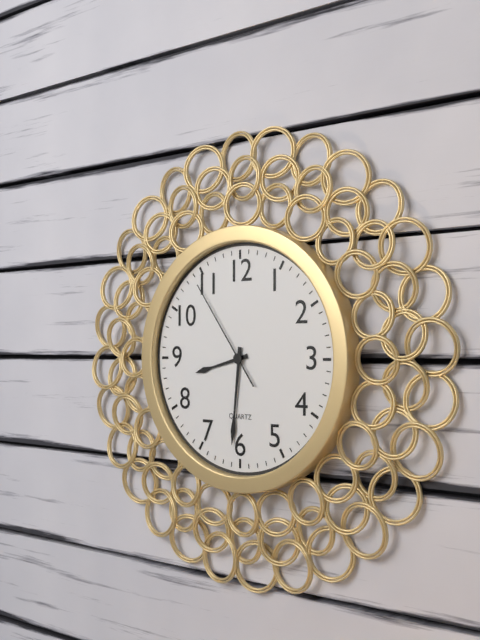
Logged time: 8 h 31 min 54 s
